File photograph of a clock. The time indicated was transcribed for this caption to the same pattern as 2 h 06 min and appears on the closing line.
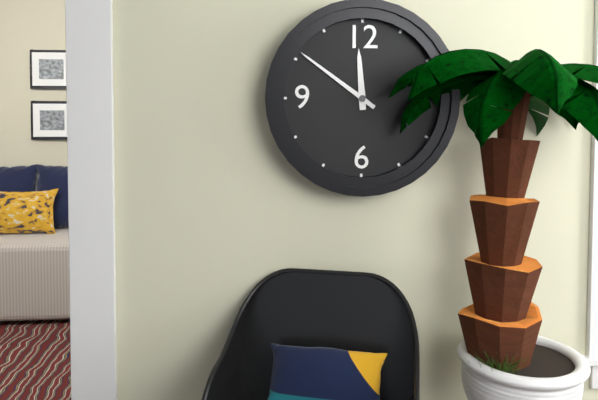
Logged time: 11 h 51 min
